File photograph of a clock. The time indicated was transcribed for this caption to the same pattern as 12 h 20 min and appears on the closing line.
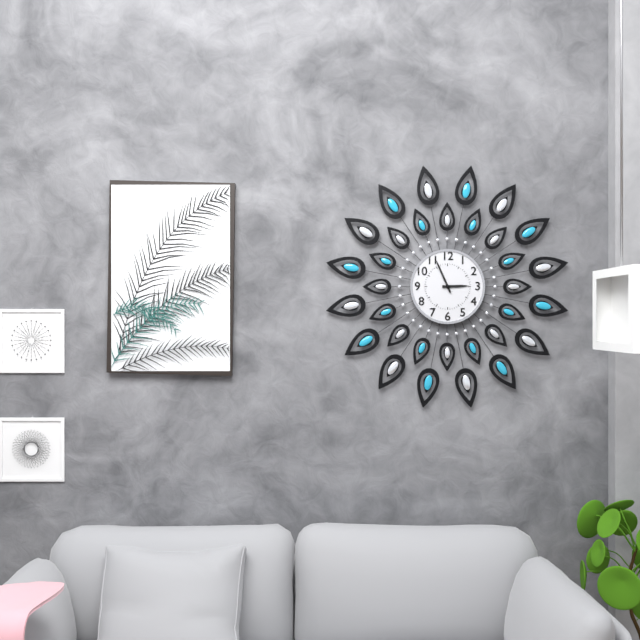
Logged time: 2 h 56 min
